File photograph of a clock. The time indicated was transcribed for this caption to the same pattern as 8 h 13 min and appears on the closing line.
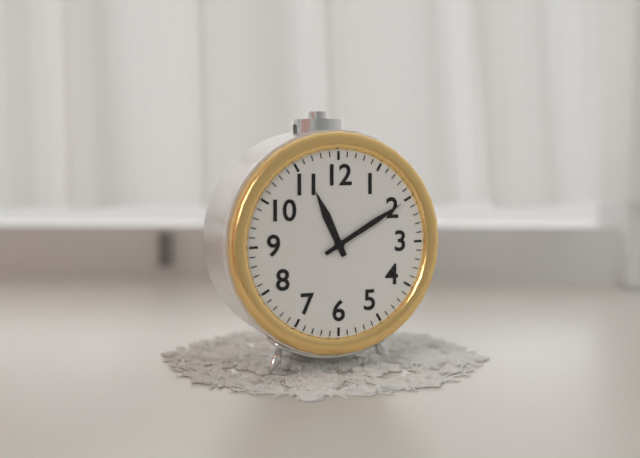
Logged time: 11 h 10 min
